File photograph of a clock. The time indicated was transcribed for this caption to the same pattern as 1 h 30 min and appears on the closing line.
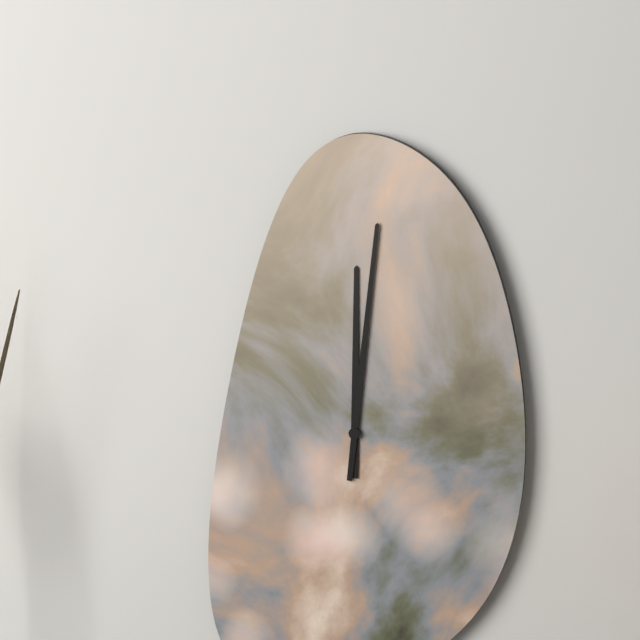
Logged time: 12 h 01 min
